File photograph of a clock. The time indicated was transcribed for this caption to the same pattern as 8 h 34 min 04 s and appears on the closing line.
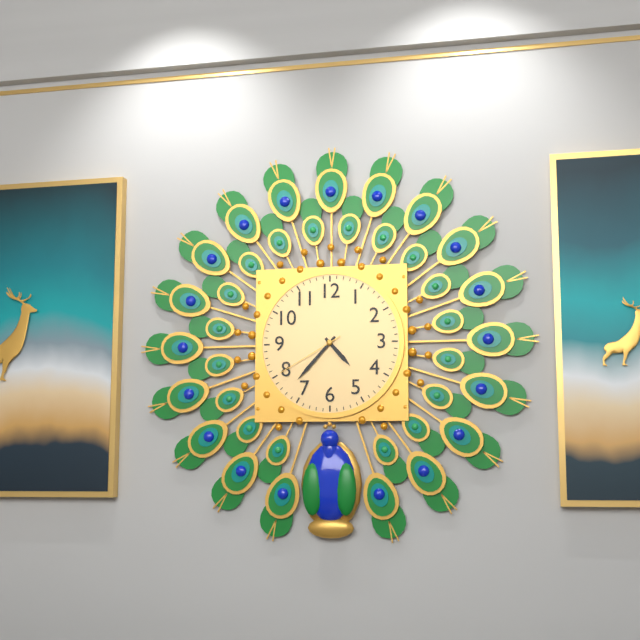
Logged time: 4 h 37 min 40 s
